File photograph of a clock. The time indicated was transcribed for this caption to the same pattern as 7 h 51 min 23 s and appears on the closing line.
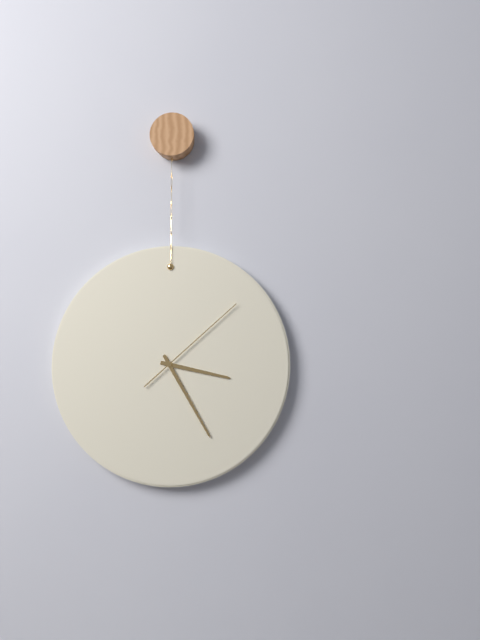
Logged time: 3 h 25 min 08 s
